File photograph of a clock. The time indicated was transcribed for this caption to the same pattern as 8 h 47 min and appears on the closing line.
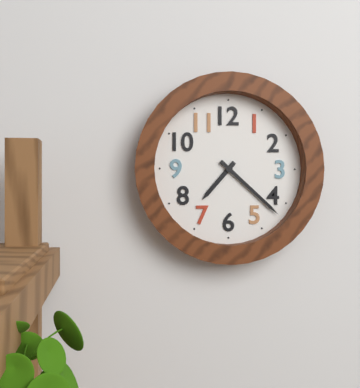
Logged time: 7 h 22 min
